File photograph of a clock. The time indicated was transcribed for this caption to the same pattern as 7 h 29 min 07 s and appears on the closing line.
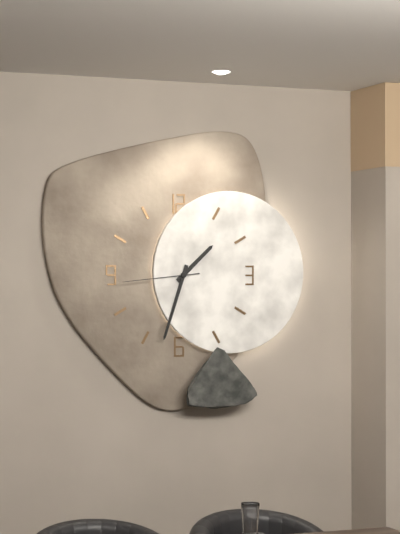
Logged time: 1 h 33 min 44 s
